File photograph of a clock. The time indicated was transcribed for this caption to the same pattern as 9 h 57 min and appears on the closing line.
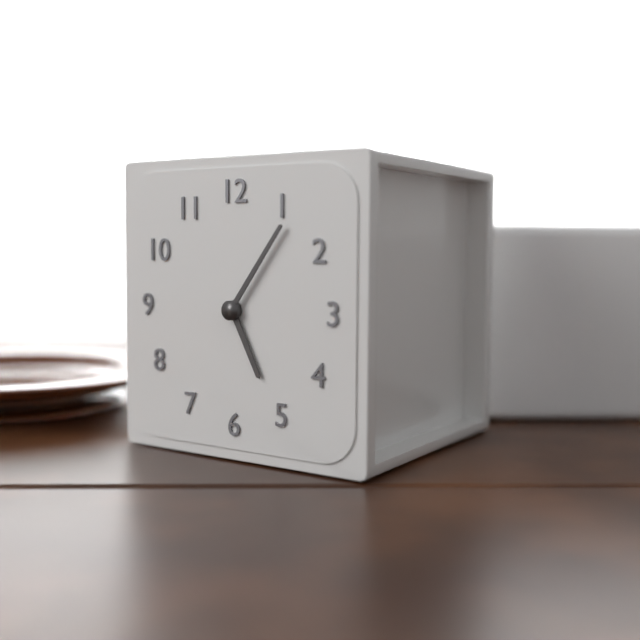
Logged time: 5 h 06 min
